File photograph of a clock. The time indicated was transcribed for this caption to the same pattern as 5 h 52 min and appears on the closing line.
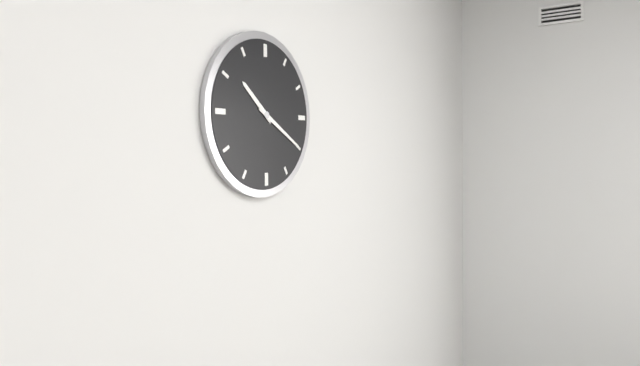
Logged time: 10 h 20 min
